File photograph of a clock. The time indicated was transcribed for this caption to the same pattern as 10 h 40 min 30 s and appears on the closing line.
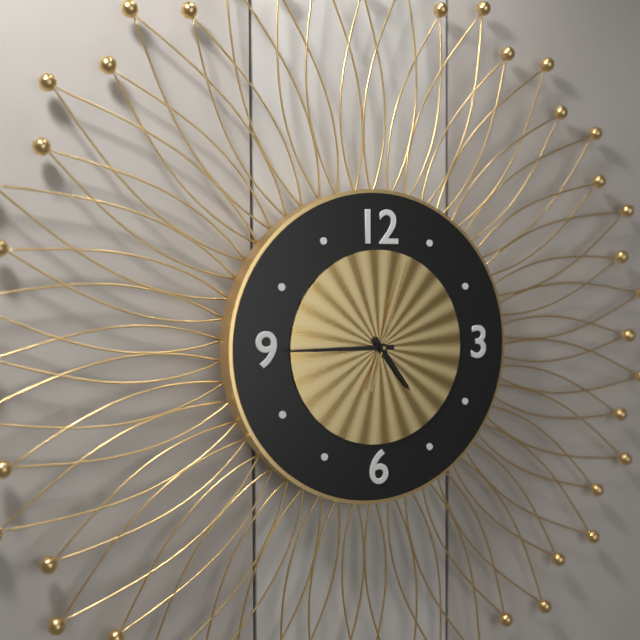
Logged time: 4 h 45 min 03 s
